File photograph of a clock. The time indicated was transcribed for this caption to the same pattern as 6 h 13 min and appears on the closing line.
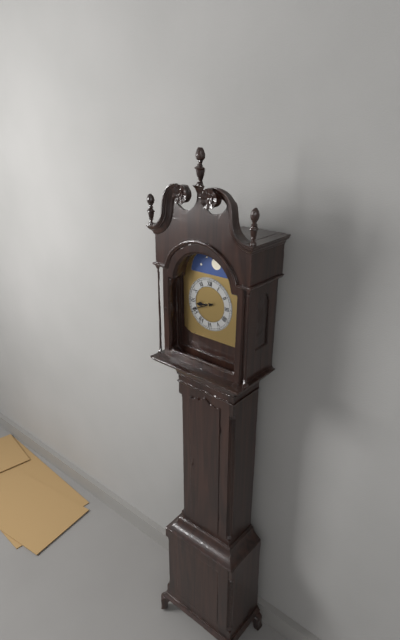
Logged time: 8 h 41 min
